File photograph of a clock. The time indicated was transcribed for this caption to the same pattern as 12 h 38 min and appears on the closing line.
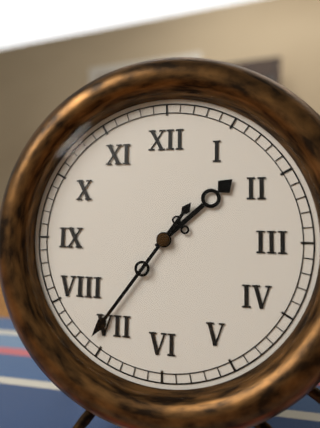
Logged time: 1 h 36 min
